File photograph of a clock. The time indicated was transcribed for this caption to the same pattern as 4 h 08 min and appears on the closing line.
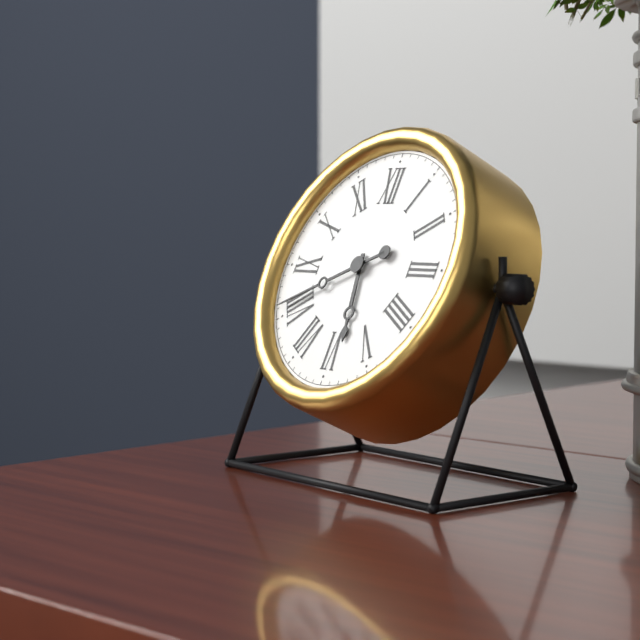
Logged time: 5 h 41 min
